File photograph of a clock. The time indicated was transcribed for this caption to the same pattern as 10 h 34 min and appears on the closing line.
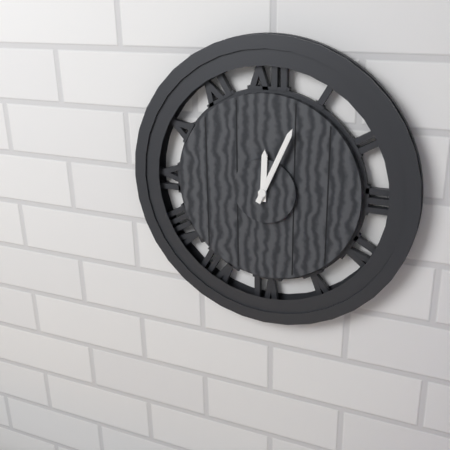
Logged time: 12 h 04 min
